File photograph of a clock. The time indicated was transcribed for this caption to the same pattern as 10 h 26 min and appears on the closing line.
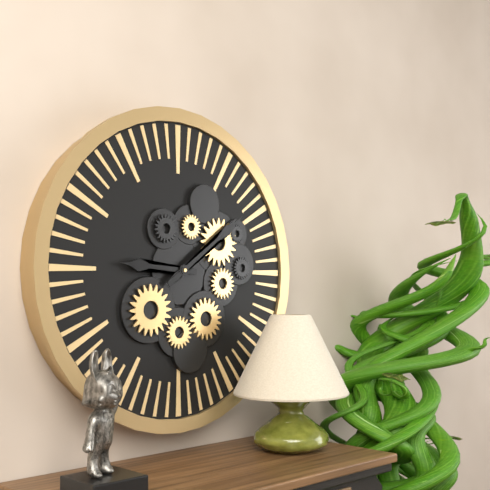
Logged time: 9 h 09 min
